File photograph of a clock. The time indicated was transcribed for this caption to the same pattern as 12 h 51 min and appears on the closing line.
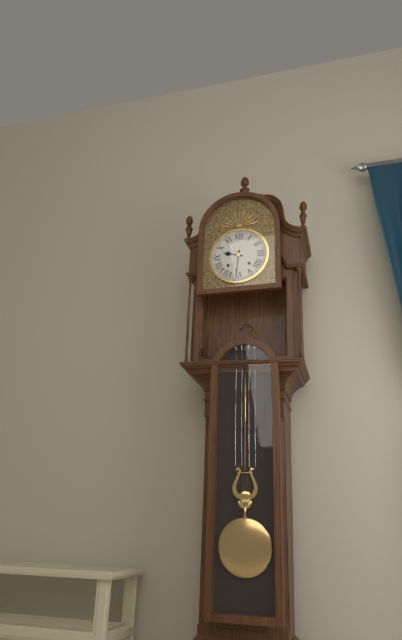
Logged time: 9 h 31 min
